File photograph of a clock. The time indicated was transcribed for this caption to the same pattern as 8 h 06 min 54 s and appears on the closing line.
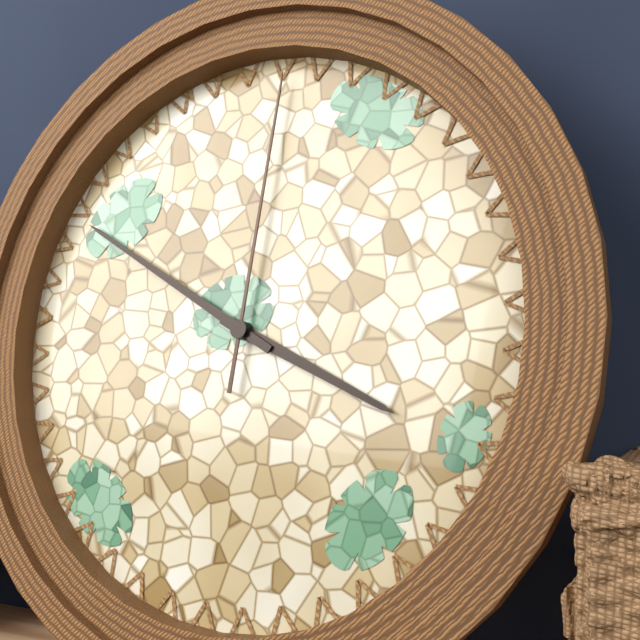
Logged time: 3 h 50 min 01 s
